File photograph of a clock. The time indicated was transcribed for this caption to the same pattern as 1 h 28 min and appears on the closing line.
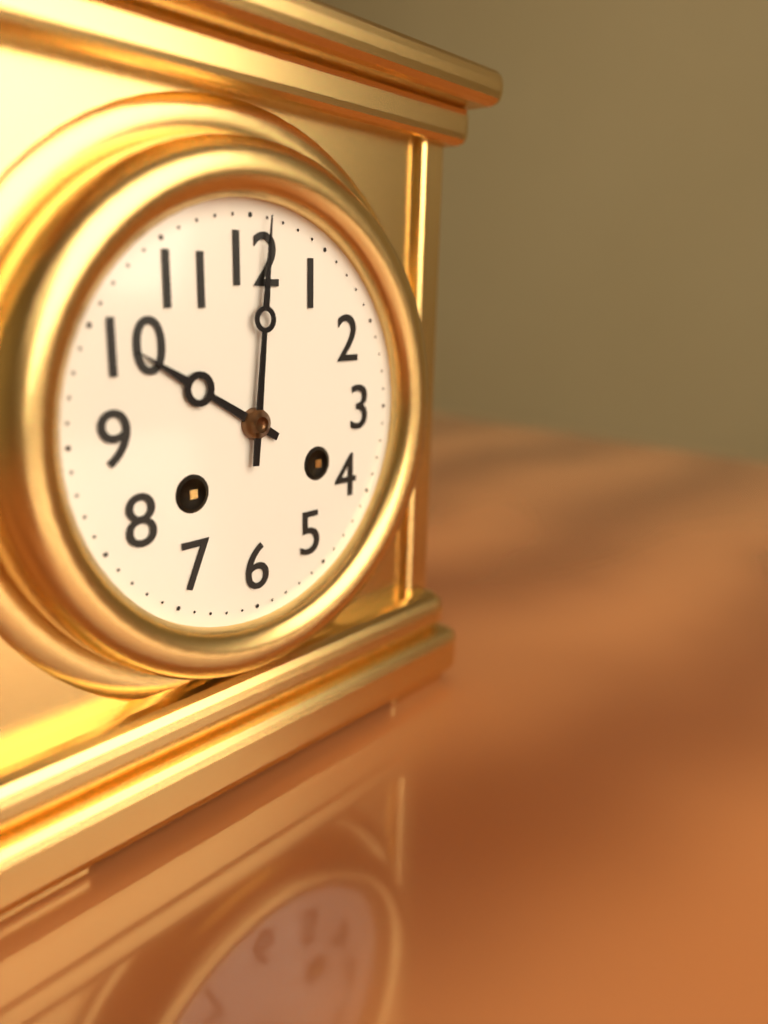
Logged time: 10 h 01 min
